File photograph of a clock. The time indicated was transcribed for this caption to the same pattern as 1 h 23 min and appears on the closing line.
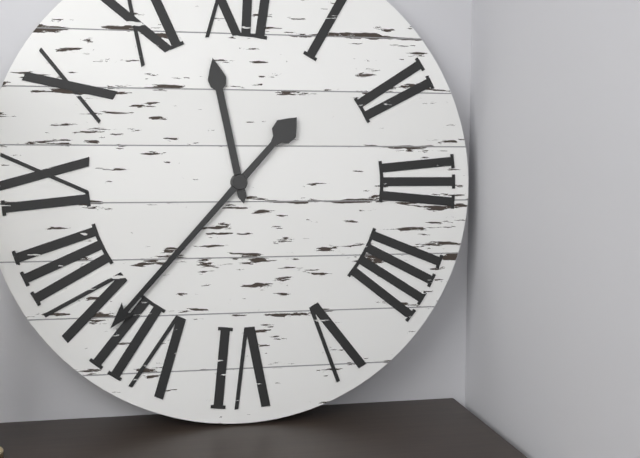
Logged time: 11 h 37 min
